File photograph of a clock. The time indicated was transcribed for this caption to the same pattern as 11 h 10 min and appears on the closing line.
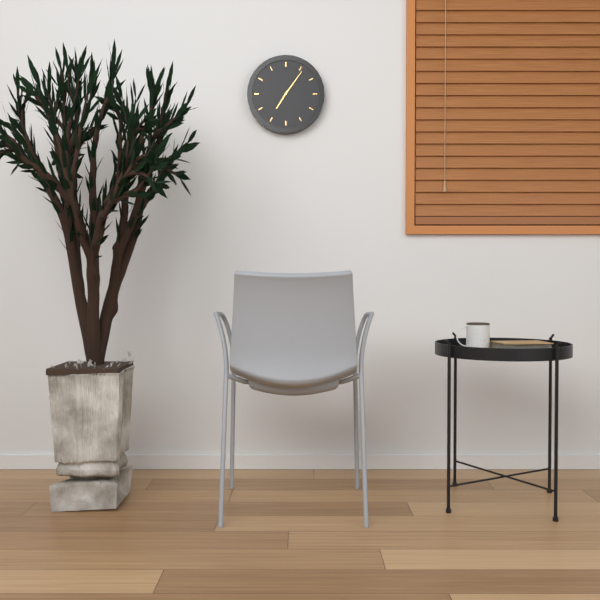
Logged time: 7 h 06 min
